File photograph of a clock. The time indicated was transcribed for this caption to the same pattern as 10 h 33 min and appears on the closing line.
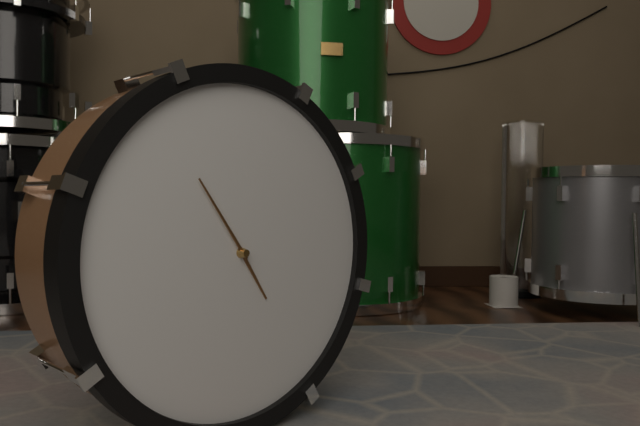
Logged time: 4 h 54 min
